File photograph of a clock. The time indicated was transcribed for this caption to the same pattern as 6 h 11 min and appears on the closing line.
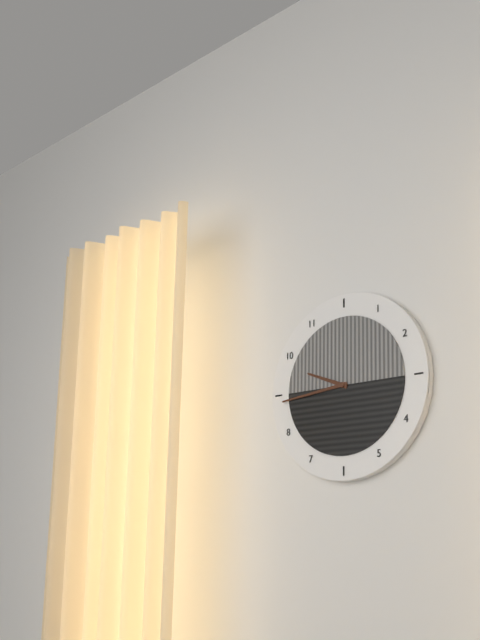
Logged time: 9 h 44 min
